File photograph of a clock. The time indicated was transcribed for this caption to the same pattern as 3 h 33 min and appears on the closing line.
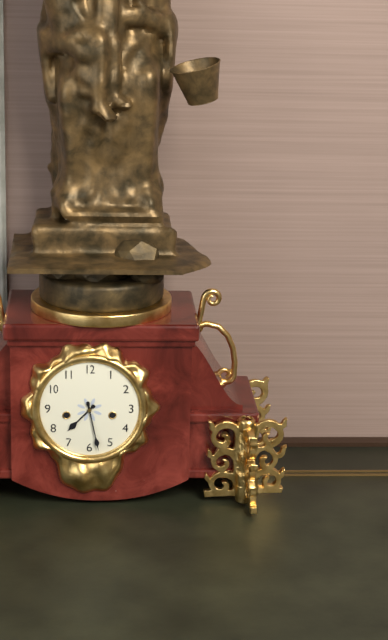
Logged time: 7 h 28 min
